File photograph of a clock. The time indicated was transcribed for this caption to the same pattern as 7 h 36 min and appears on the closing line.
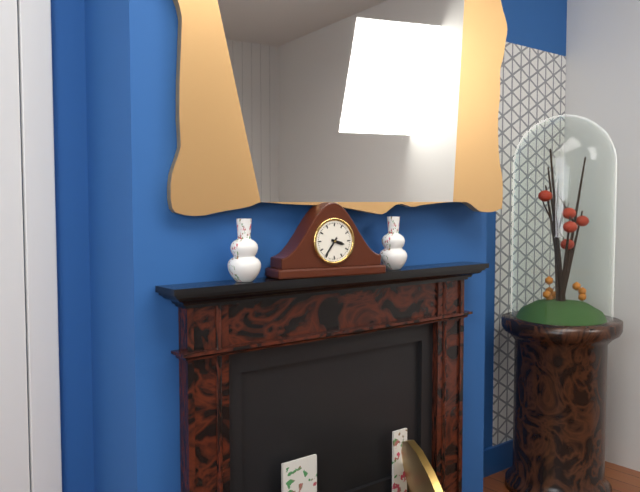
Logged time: 3 h 36 min
